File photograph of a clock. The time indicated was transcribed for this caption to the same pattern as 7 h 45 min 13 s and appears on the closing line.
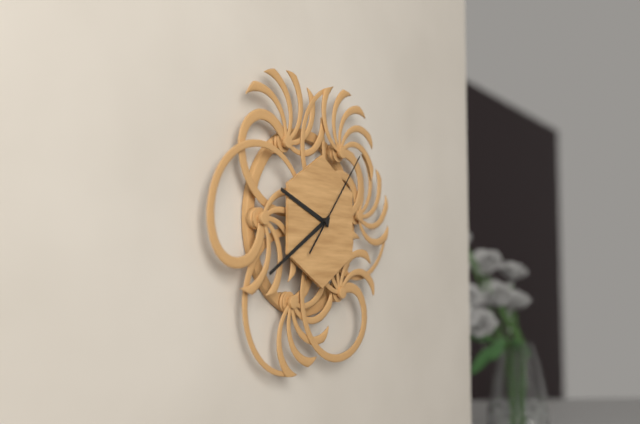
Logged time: 9 h 40 min 07 s
